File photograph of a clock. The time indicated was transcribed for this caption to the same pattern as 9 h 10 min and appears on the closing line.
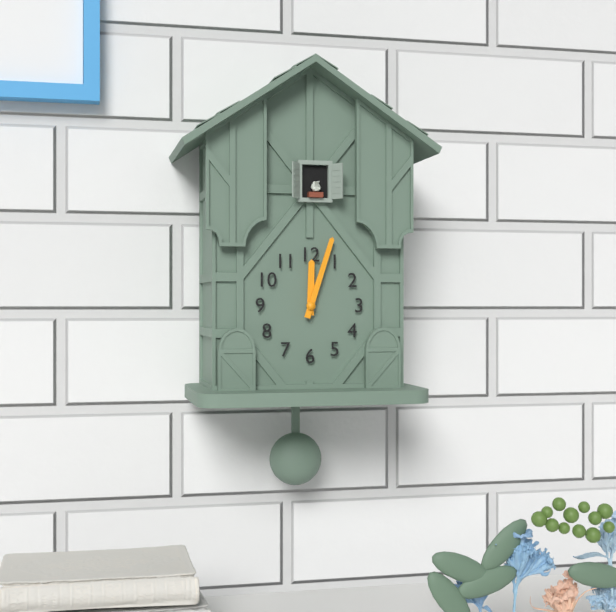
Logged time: 12 h 03 min
